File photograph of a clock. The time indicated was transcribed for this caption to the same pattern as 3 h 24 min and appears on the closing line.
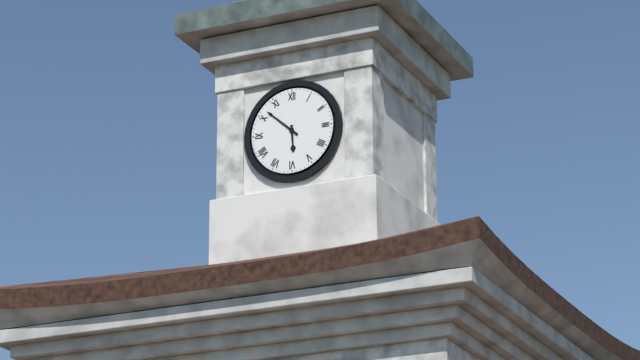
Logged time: 5 h 52 min
